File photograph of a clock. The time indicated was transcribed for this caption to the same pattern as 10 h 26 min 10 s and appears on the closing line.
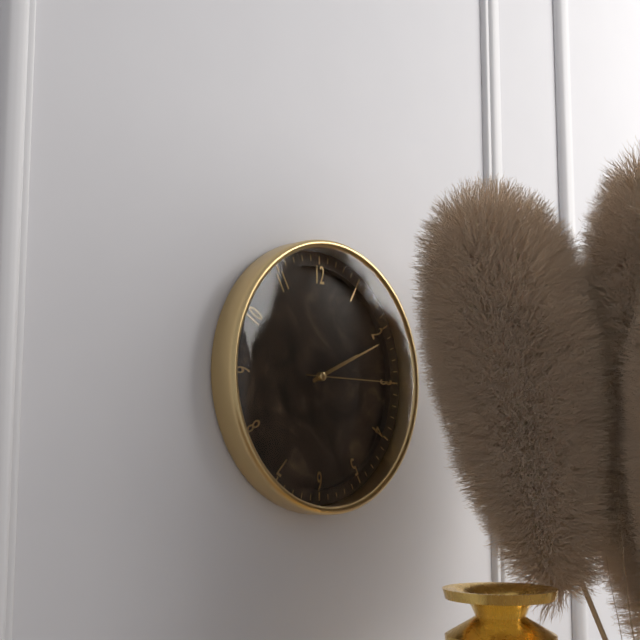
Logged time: 2 h 11 min 15 s
